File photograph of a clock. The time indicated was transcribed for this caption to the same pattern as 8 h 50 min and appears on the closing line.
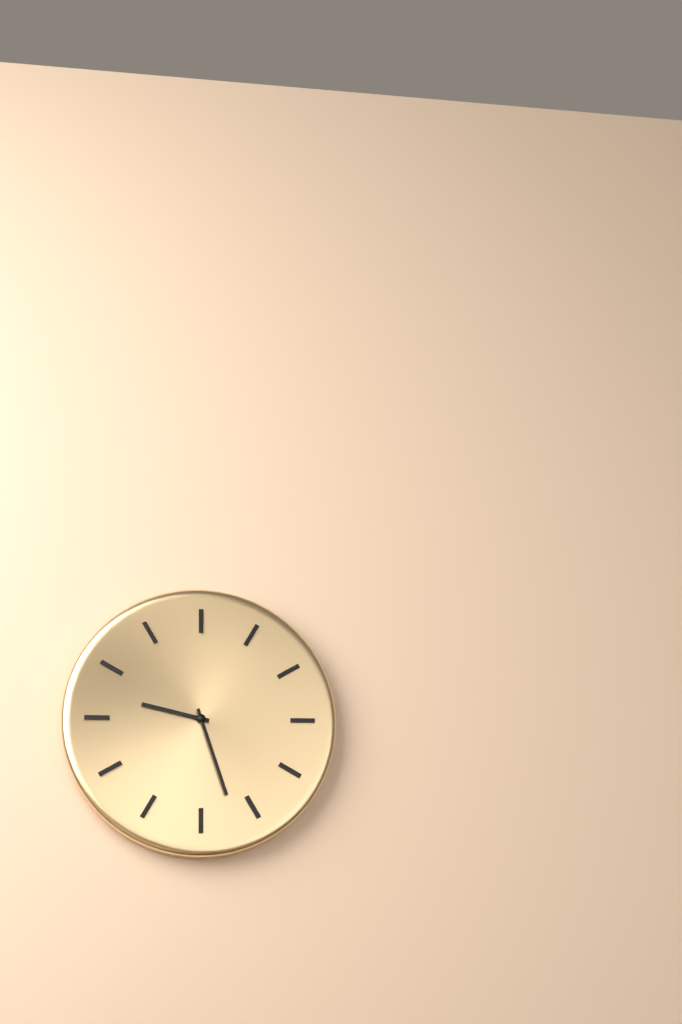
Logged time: 9 h 27 min
